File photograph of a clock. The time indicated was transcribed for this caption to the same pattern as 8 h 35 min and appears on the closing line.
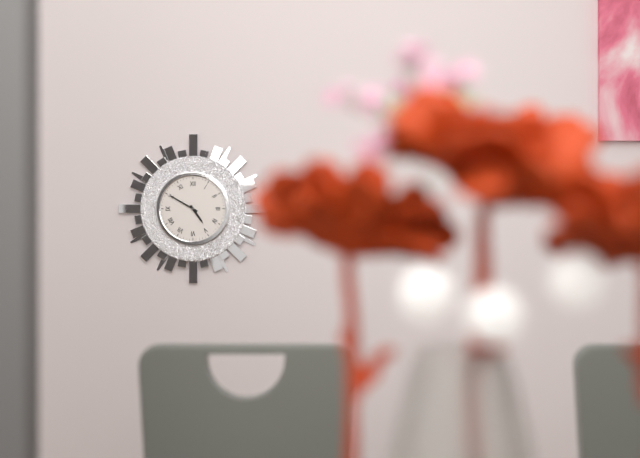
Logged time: 4 h 50 min
